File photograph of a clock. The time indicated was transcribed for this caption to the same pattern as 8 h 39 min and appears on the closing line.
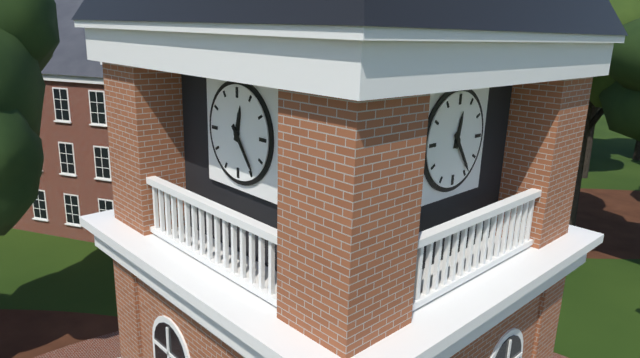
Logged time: 12 h 24 min
